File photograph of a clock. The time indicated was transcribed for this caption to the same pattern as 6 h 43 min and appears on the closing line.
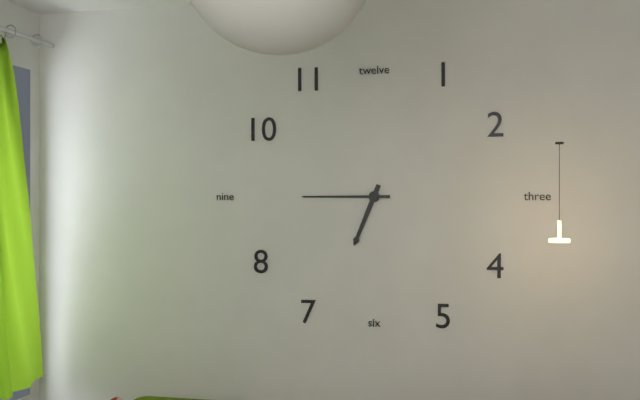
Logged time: 6 h 45 min
